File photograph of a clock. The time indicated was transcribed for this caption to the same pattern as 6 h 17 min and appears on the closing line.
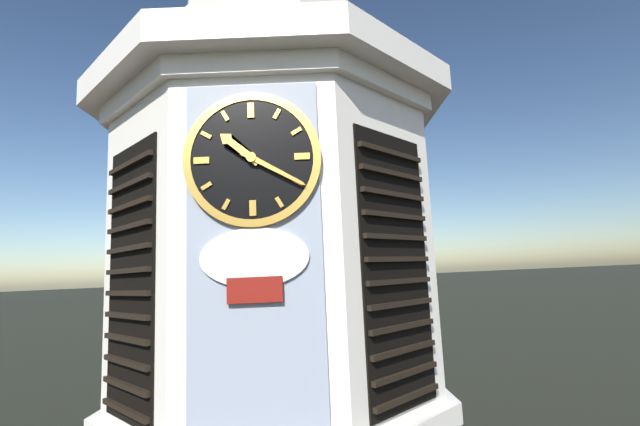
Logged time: 10 h 20 min
